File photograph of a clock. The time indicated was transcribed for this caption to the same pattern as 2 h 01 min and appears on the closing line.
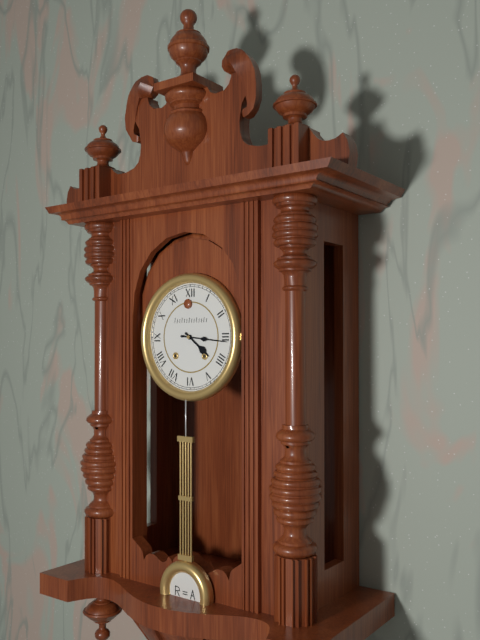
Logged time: 4 h 16 min
